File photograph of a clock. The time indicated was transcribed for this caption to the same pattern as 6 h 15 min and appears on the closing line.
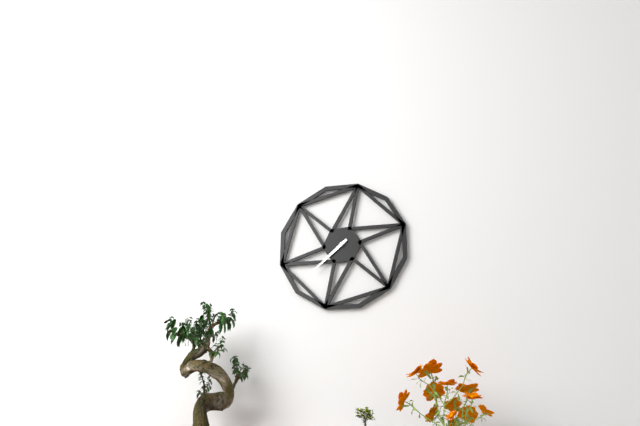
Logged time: 7 h 38 min
